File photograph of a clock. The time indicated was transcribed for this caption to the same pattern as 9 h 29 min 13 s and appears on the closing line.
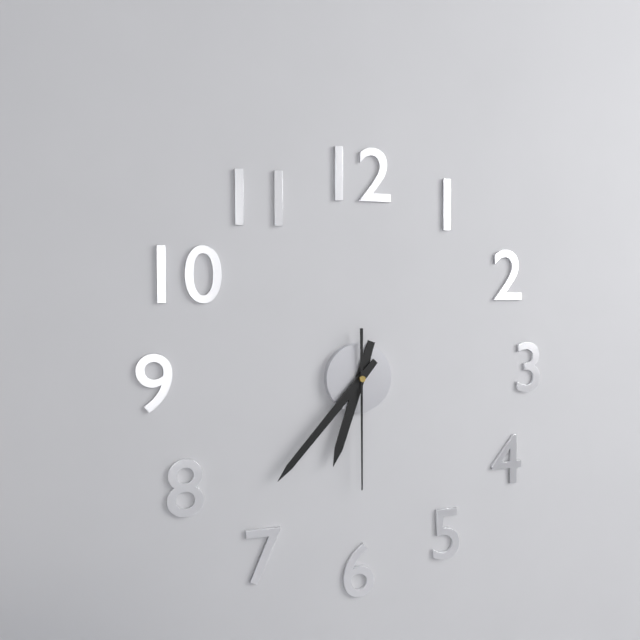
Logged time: 6 h 37 min 30 s
